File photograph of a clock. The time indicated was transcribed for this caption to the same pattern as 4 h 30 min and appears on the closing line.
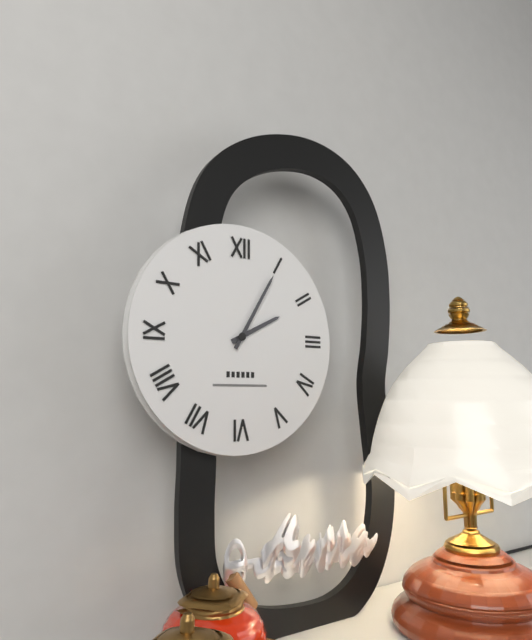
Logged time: 2 h 05 min
